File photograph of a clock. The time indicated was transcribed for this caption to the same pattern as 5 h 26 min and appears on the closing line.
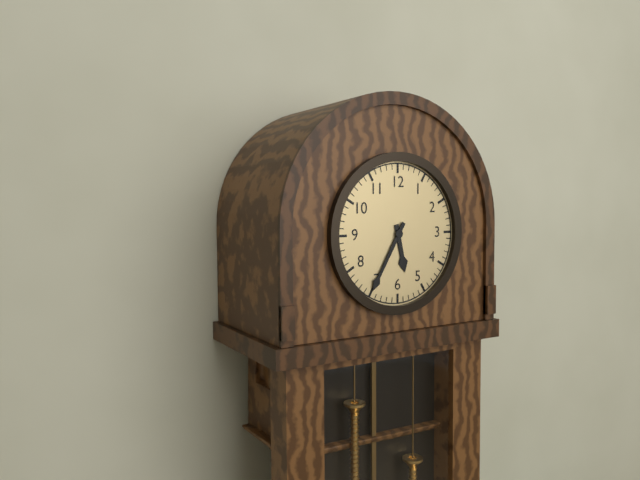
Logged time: 5 h 35 min
